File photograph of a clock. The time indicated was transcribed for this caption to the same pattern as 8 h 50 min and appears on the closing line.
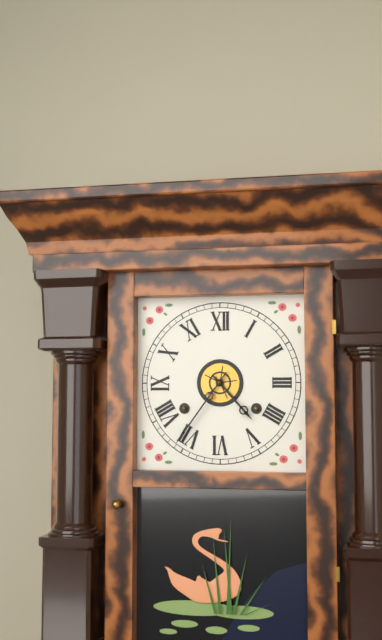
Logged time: 4 h 36 min
